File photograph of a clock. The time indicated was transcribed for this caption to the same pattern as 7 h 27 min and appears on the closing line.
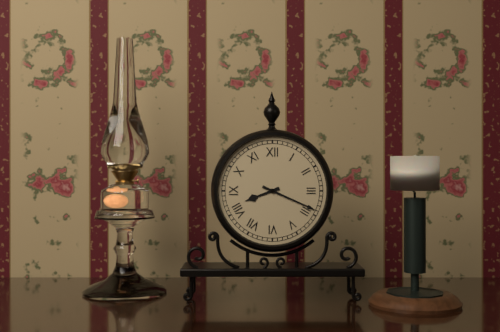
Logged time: 8 h 19 min
